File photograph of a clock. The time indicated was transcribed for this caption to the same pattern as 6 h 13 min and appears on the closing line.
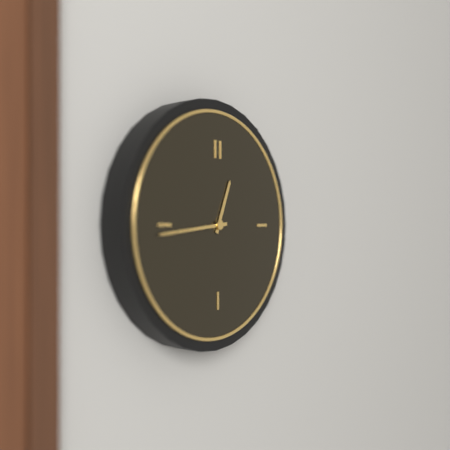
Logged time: 12 h 44 min
